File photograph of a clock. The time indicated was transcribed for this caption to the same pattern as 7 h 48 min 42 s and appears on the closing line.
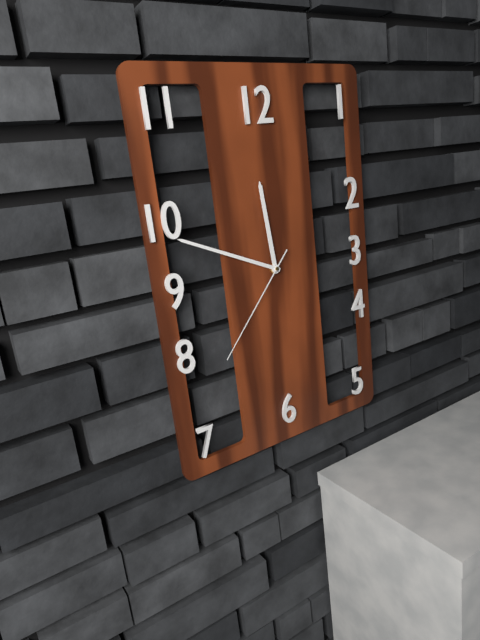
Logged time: 11 h 49 min 37 s
